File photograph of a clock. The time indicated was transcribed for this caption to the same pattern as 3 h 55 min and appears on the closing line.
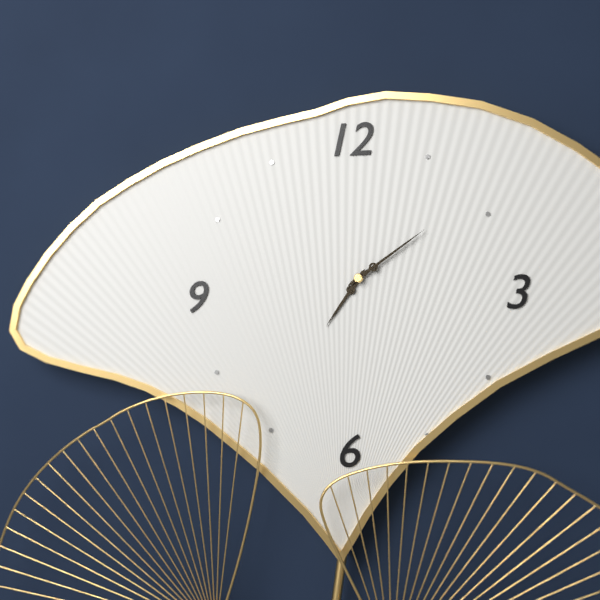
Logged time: 7 h 09 min
